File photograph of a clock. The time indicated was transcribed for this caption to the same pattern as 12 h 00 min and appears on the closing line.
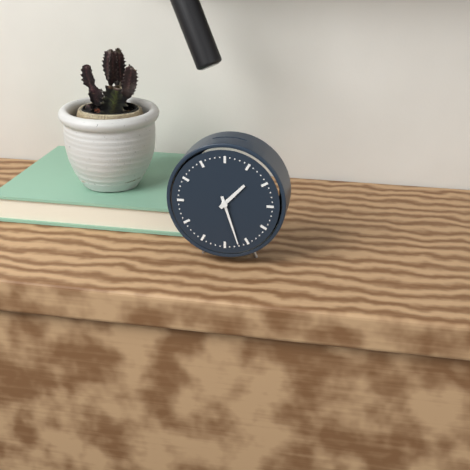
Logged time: 1 h 27 min
